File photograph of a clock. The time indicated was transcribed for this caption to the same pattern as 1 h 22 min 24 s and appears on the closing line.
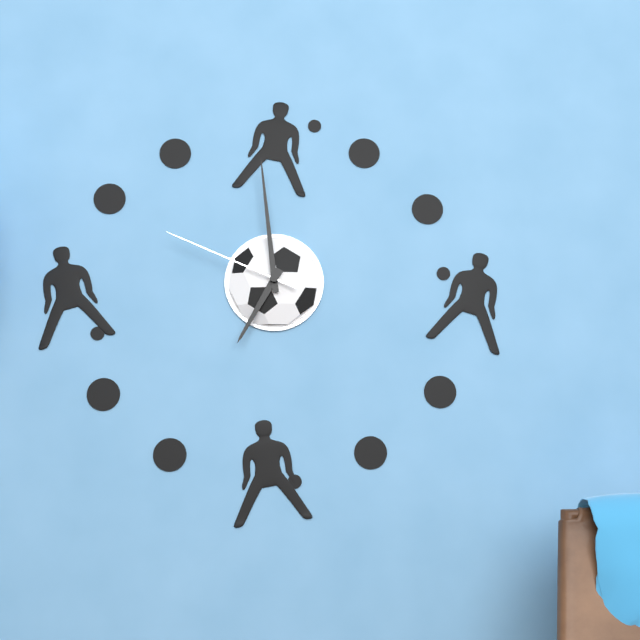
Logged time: 6 h 59 min 49 s
